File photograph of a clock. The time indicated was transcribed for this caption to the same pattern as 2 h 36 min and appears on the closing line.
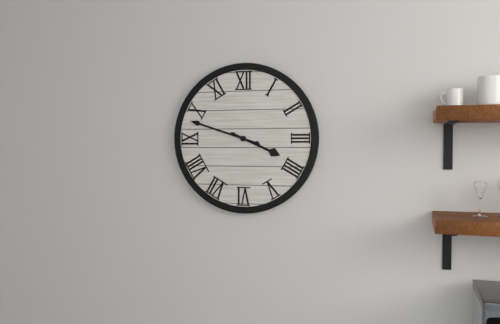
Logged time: 3 h 48 min
